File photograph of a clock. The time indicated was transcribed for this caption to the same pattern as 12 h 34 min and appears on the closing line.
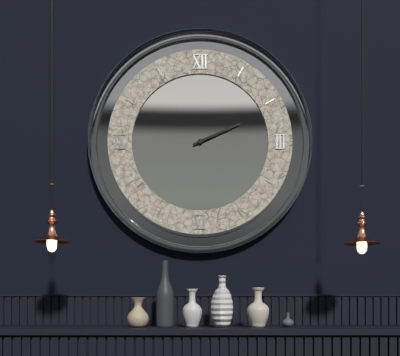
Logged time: 2 h 11 min
